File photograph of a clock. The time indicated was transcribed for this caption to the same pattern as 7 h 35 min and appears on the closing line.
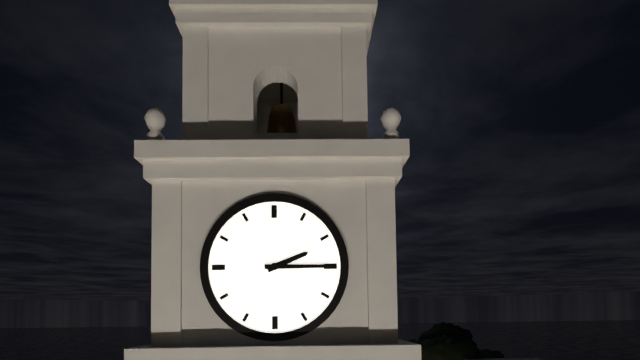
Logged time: 2 h 15 min
